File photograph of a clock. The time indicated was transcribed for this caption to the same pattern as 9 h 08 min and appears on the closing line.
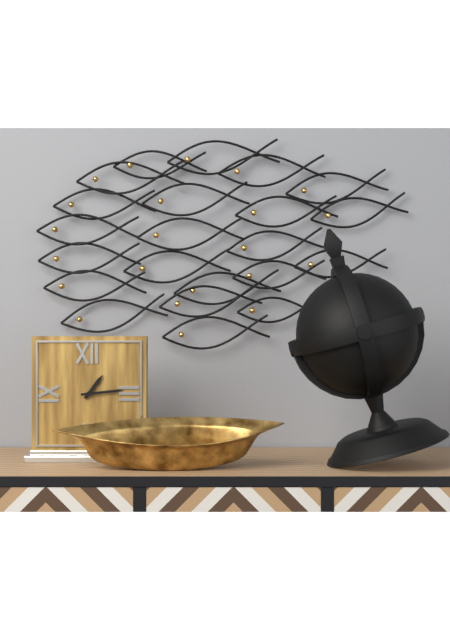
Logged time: 1 h 14 min
